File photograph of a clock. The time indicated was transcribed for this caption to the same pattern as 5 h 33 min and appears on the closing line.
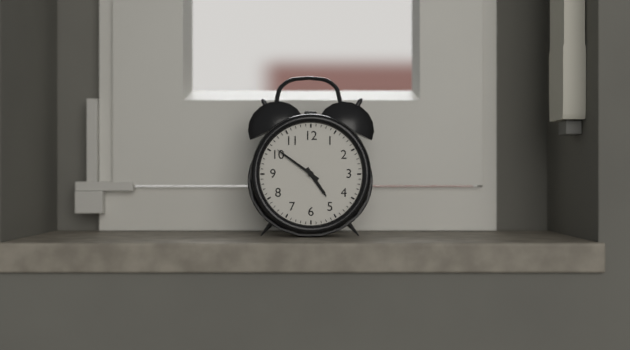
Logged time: 4 h 51 min
